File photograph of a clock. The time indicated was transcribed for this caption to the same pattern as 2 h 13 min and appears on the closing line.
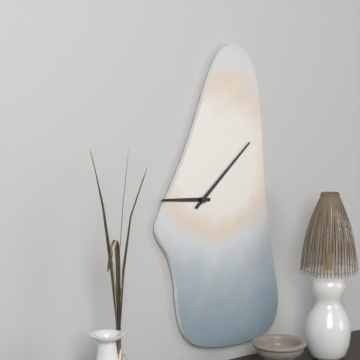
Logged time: 9 h 08 min
